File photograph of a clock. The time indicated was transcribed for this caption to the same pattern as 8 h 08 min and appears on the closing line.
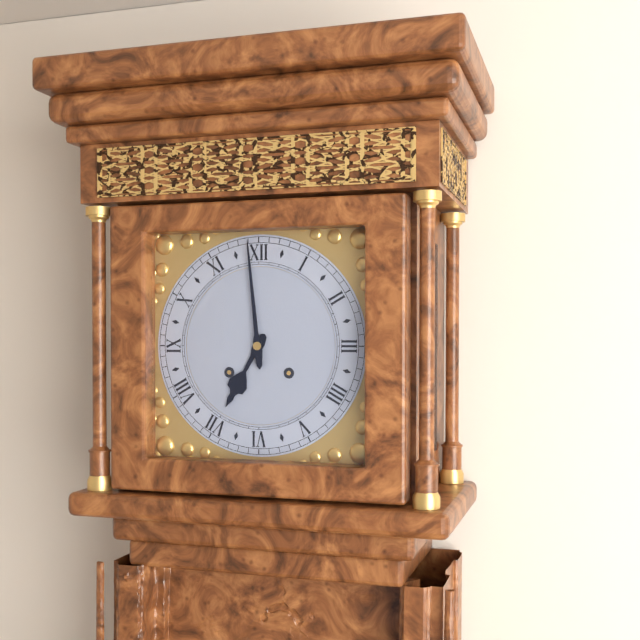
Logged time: 6 h 59 min
